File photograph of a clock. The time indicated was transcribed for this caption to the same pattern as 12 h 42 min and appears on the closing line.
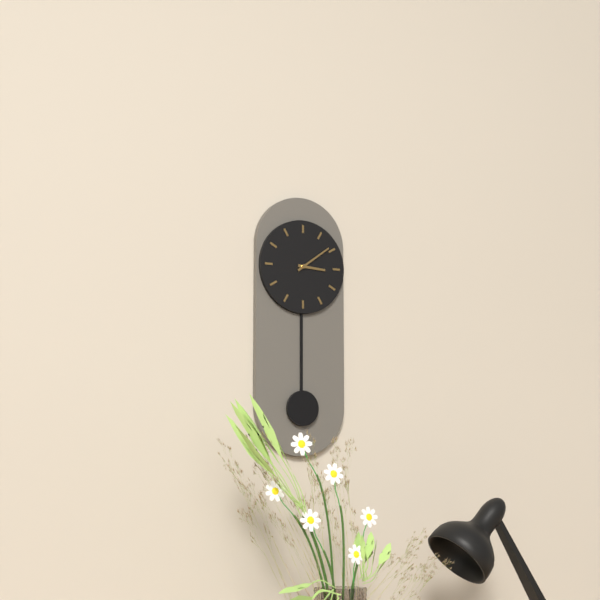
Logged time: 3 h 09 min
